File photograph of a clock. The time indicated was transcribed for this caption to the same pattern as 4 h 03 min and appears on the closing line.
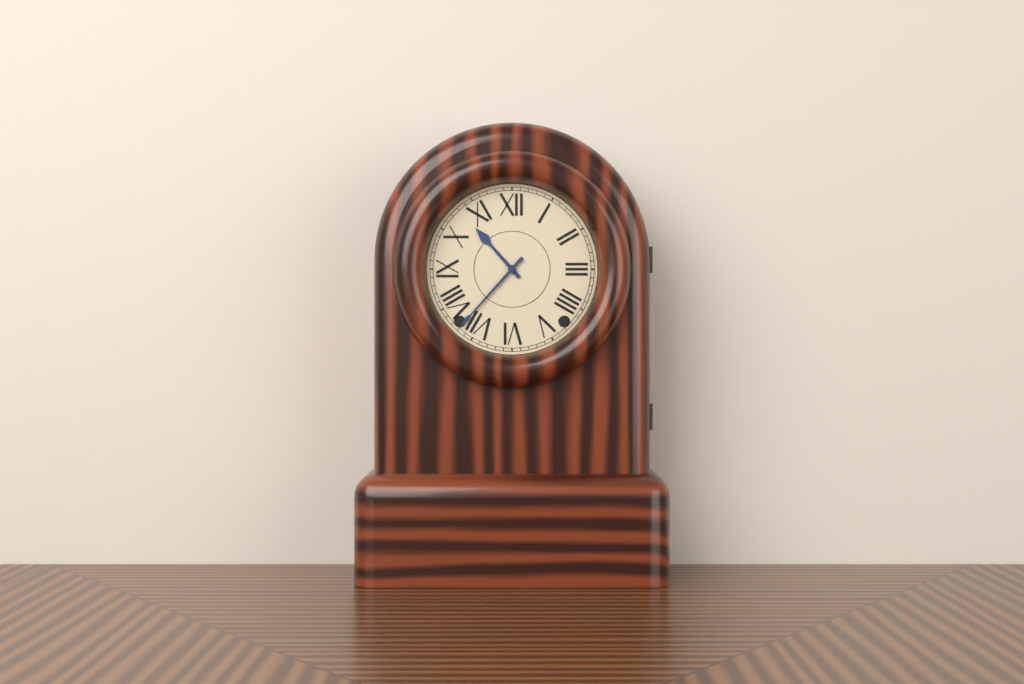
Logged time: 10 h 37 min
